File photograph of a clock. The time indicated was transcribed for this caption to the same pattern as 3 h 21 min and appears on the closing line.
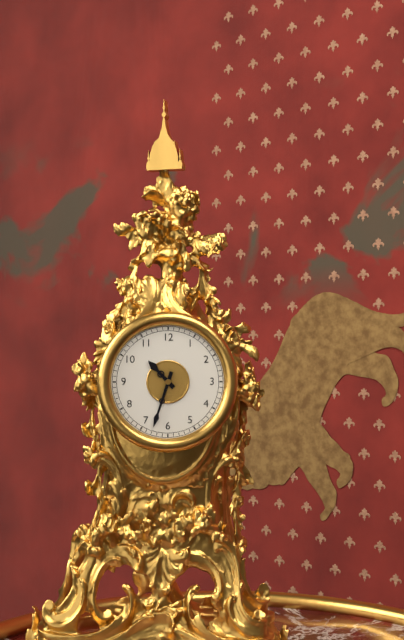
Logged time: 10 h 33 min
